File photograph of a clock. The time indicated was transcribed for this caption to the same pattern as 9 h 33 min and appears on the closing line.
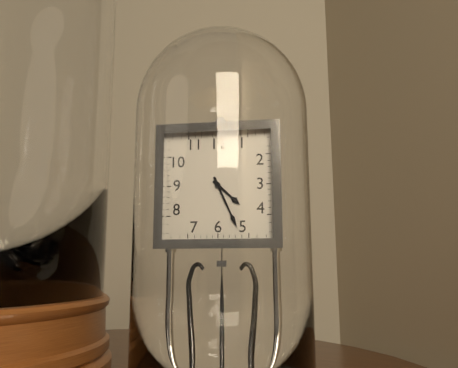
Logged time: 4 h 26 min
